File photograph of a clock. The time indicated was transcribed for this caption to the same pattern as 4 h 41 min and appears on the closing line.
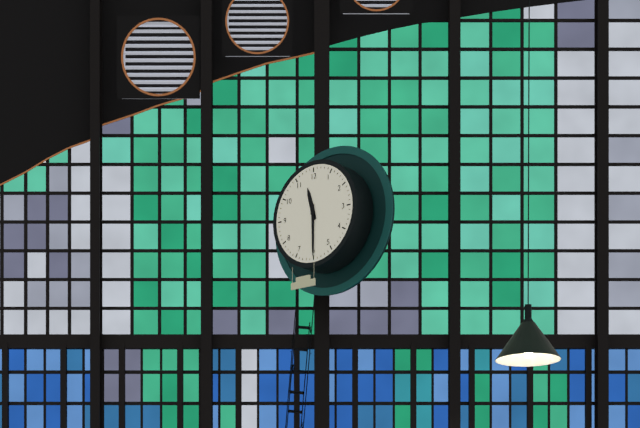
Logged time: 11 h 30 min
